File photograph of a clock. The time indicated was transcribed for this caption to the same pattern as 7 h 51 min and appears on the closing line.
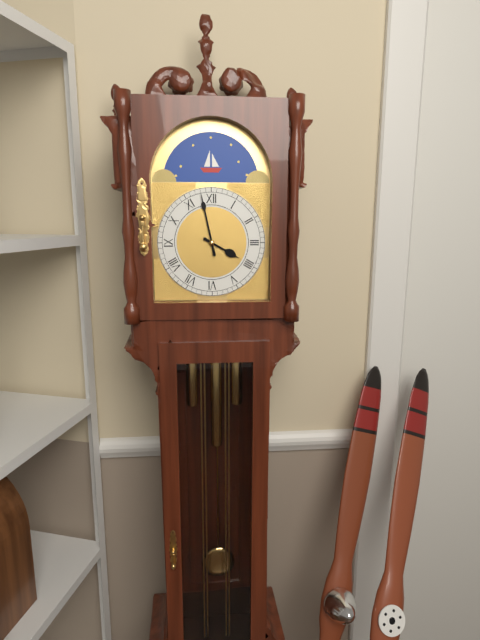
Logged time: 3 h 58 min
